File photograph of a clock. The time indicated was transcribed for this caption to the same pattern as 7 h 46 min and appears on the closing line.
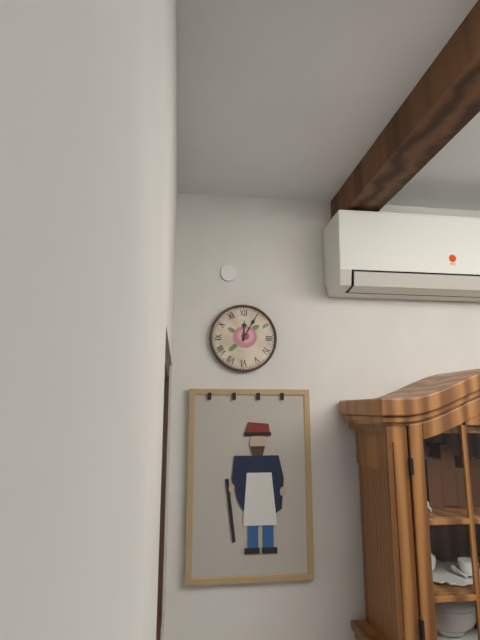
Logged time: 12 h 05 min
